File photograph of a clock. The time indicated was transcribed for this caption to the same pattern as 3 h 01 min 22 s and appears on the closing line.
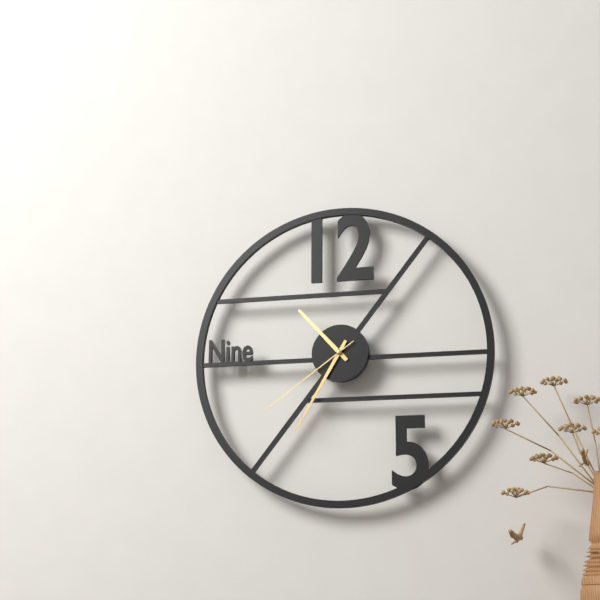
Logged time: 10 h 35 min 39 s
